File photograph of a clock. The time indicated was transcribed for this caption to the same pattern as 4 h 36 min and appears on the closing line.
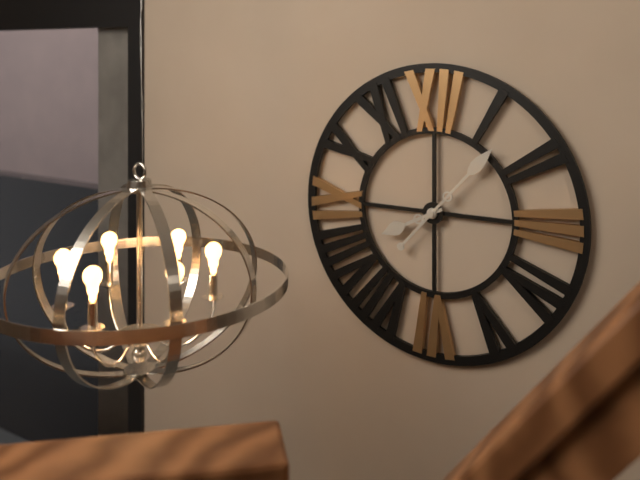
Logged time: 8 h 07 min
